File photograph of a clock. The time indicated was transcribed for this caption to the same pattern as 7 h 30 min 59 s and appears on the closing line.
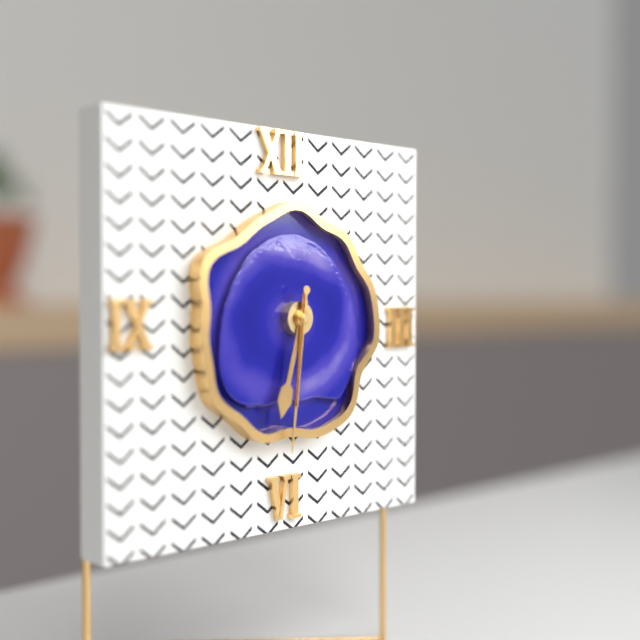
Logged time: 6 h 31 min 31 s
